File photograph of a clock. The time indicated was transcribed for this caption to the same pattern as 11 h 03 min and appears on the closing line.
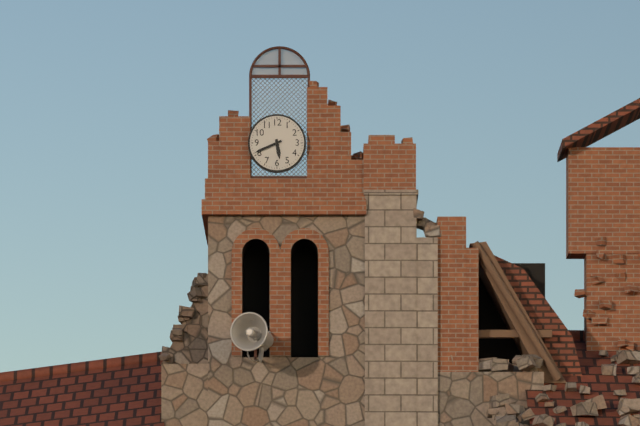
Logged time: 5 h 41 min
